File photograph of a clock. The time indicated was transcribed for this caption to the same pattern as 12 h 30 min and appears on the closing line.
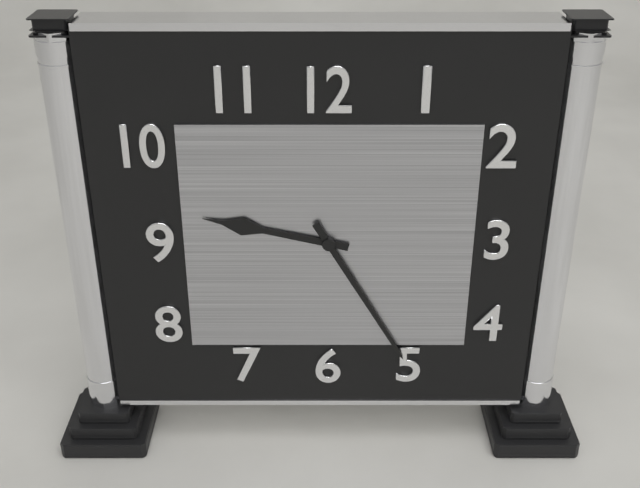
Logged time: 9 h 25 min
